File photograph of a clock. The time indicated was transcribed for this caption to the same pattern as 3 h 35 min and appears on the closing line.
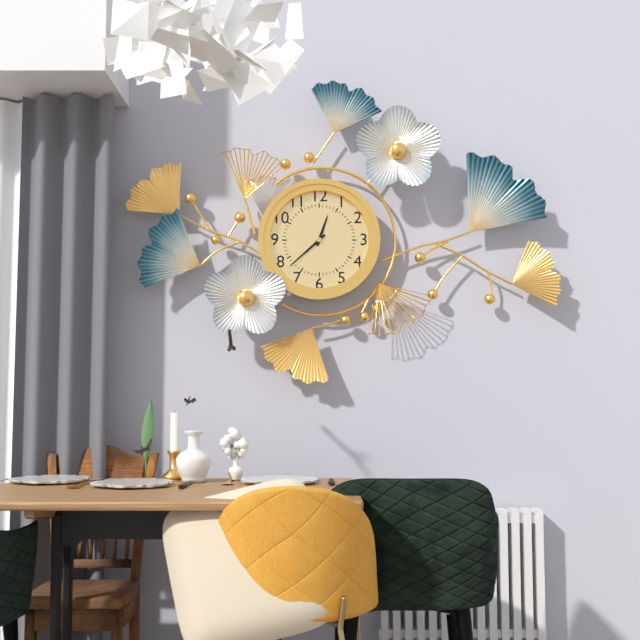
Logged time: 12 h 38 min
